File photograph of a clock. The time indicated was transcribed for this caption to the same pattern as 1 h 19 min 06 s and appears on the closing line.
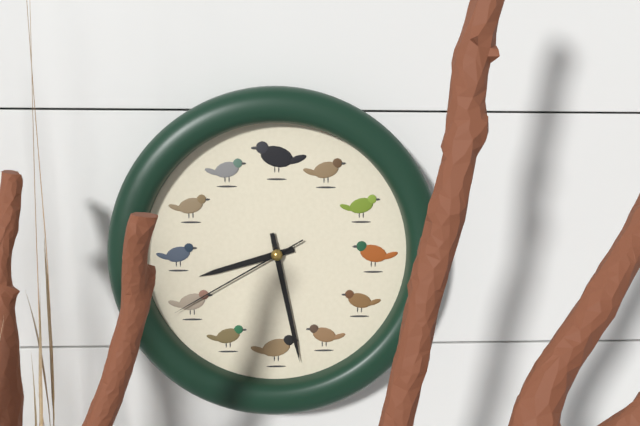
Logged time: 8 h 28 min 40 s
